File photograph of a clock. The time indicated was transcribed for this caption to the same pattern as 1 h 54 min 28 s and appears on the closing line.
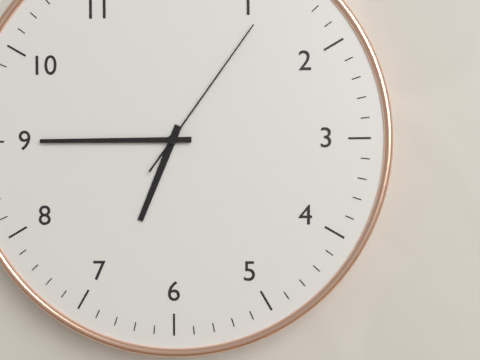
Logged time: 6 h 45 min 06 s
